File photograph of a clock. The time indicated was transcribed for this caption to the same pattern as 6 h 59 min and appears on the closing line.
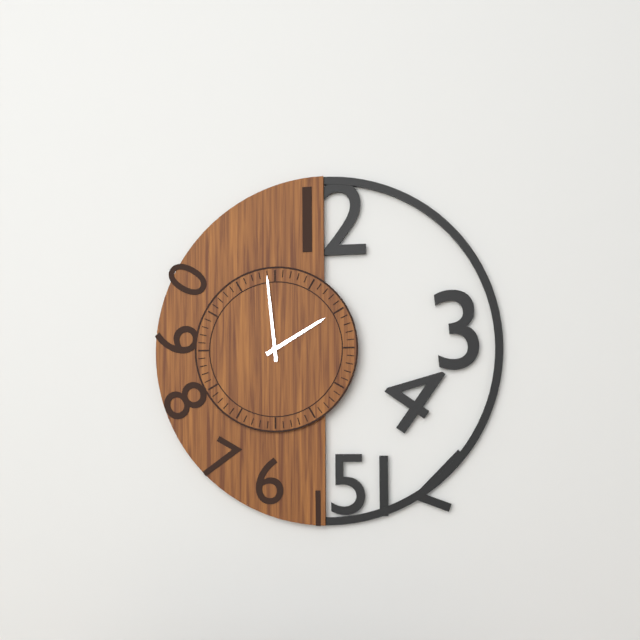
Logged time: 1 h 59 min
